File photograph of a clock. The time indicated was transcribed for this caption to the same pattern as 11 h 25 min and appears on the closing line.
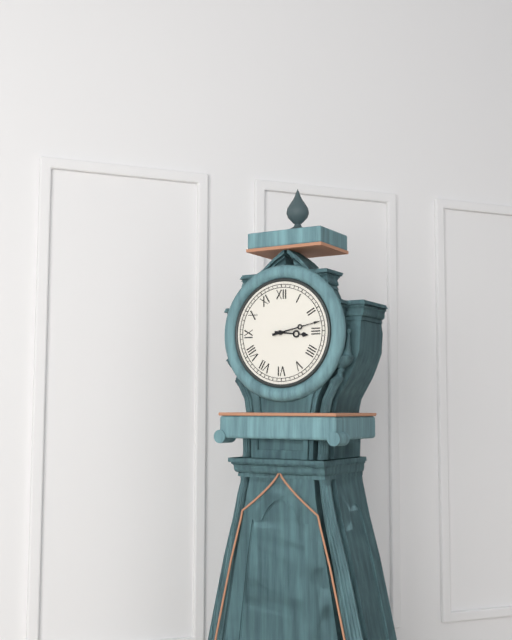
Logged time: 3 h 13 min
